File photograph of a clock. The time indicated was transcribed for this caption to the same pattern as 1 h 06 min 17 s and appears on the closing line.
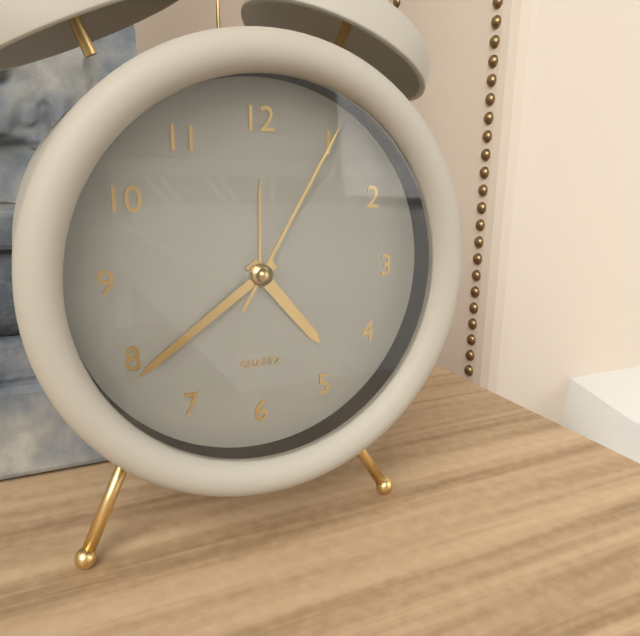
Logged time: 4 h 39 min 05 s
